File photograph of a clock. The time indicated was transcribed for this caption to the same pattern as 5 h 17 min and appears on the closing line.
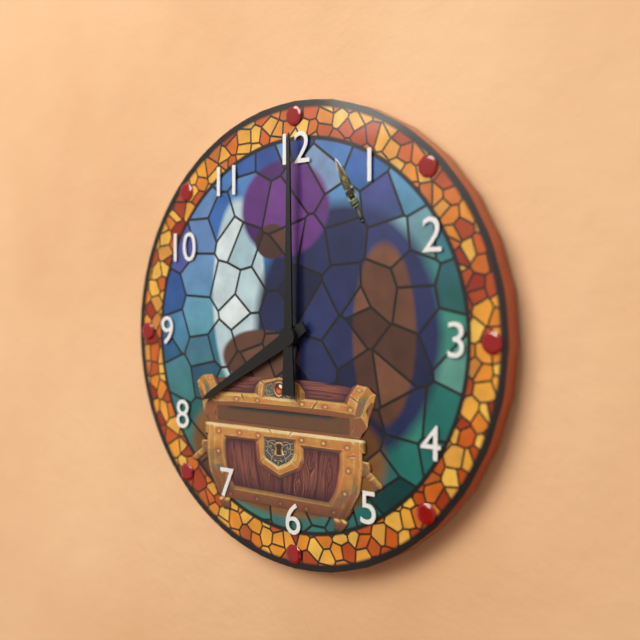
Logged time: 8 h 00 min
